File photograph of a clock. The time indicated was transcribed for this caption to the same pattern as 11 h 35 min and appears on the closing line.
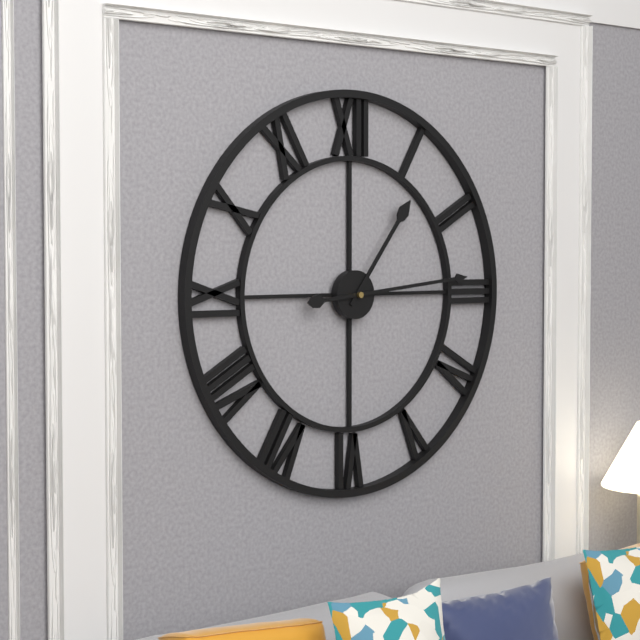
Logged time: 1 h 14 min
